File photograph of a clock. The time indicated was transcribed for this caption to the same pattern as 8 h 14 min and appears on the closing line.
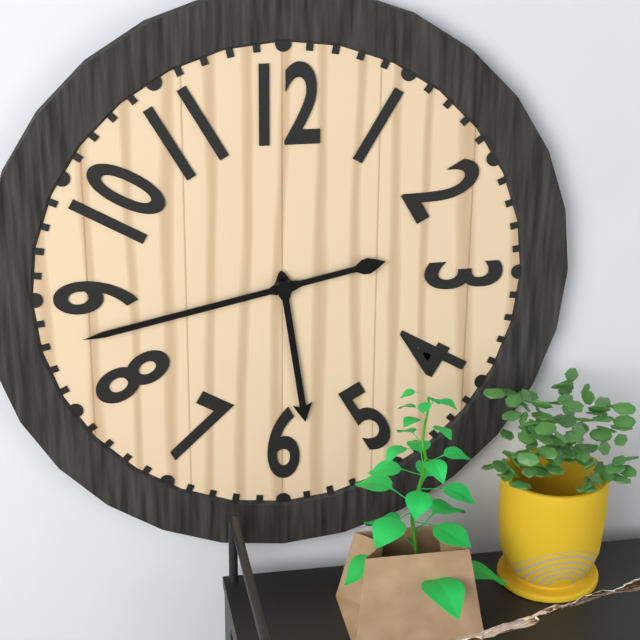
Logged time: 5 h 43 min
